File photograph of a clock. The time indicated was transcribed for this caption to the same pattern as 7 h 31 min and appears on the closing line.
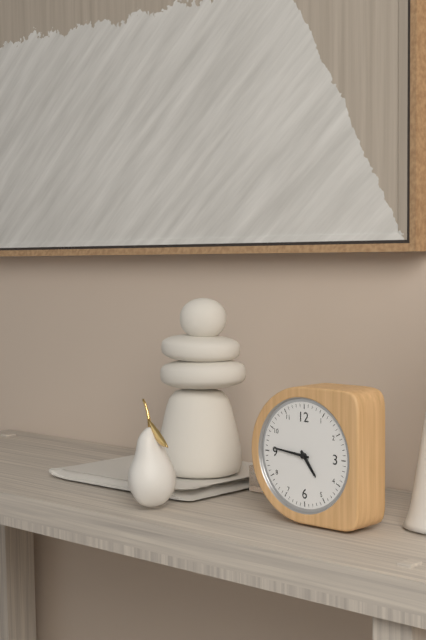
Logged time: 4 h 46 min
